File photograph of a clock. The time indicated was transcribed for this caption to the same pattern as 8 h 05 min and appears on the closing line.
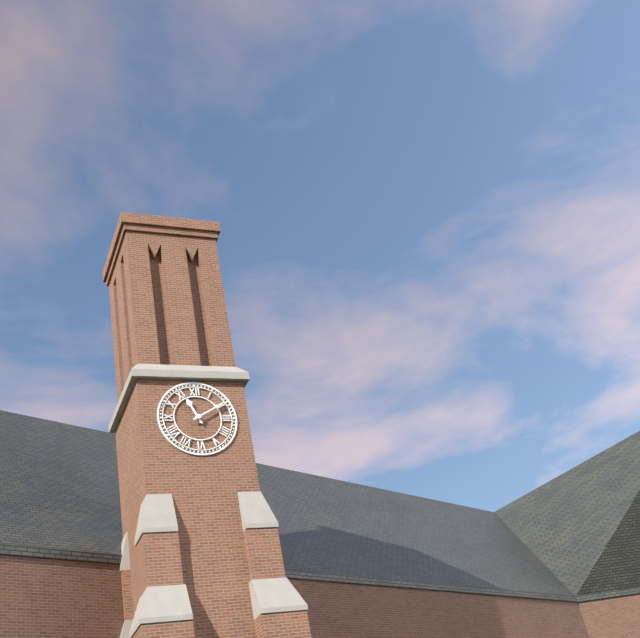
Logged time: 11 h 10 min
